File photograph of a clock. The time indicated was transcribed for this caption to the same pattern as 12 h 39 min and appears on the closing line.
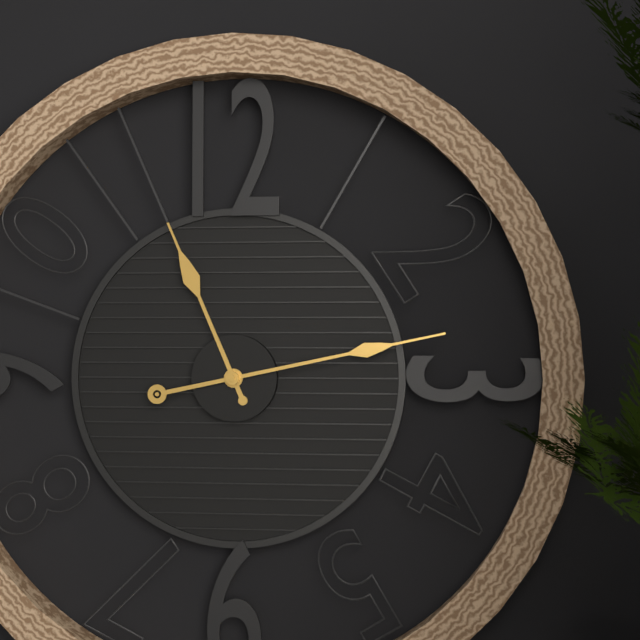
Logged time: 11 h 13 min
